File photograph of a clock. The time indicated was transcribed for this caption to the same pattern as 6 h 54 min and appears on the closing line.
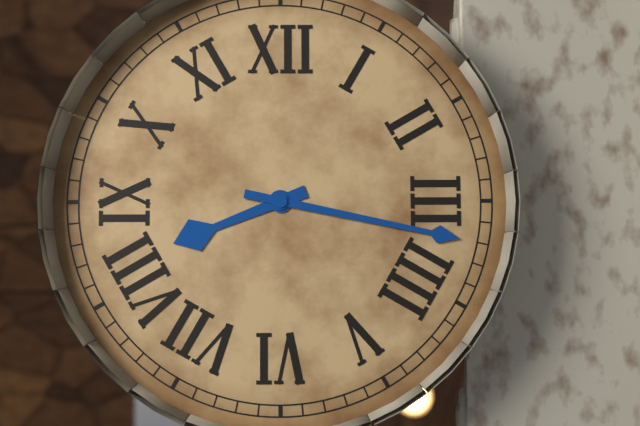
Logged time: 8 h 17 min
